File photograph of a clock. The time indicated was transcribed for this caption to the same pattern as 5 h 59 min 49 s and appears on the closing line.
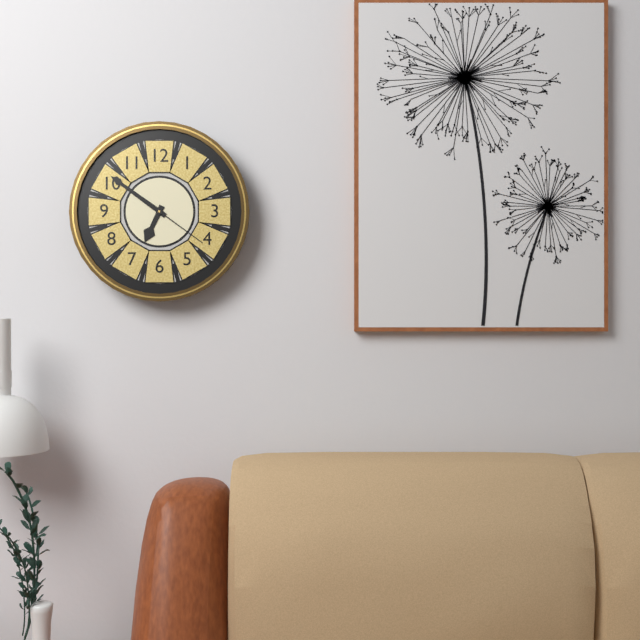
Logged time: 6 h 51 min 21 s
